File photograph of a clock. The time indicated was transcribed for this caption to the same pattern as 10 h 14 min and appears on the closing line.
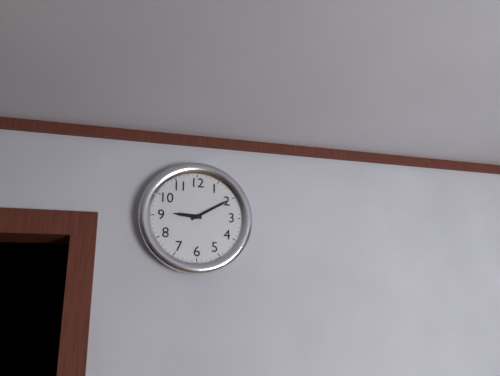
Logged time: 9 h 10 min
